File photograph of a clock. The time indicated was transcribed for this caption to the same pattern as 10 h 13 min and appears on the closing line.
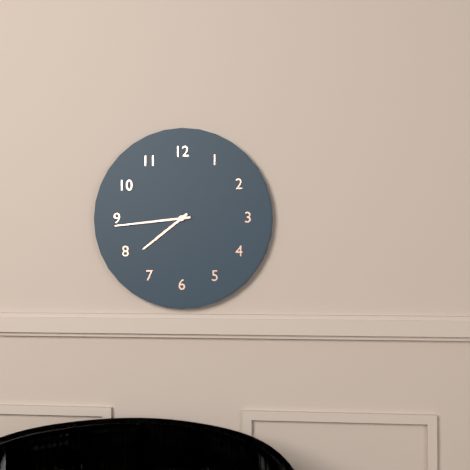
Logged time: 7 h 44 min
